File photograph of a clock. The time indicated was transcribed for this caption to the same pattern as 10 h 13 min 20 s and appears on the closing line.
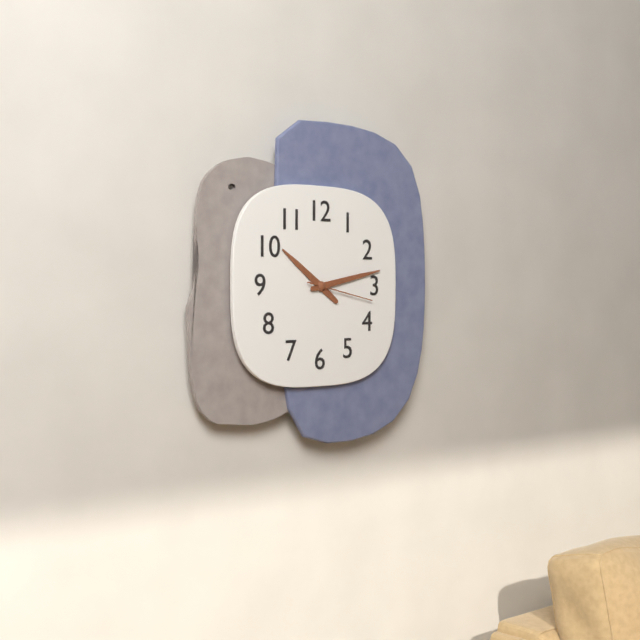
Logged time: 10 h 13 min 17 s
